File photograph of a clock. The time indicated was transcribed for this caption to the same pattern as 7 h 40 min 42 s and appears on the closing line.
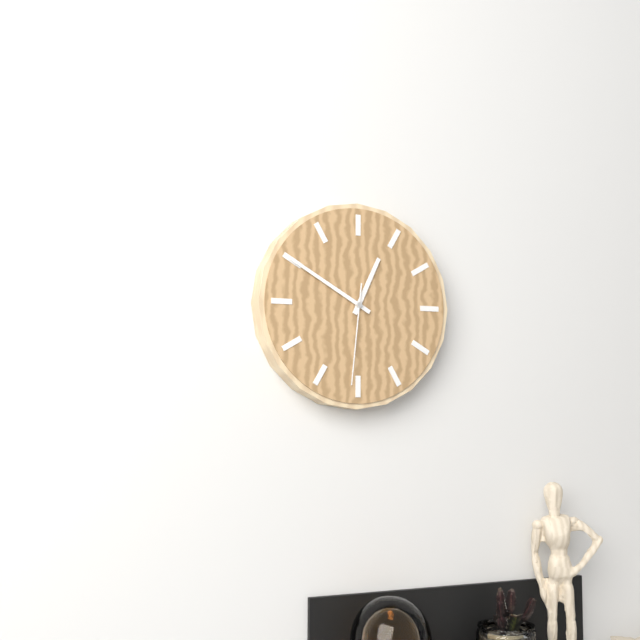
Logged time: 12 h 50 min 31 s
